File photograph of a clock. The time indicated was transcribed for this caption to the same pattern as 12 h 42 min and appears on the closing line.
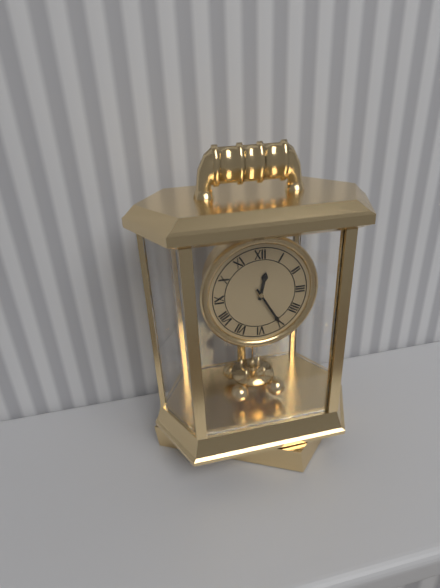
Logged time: 12 h 25 min
